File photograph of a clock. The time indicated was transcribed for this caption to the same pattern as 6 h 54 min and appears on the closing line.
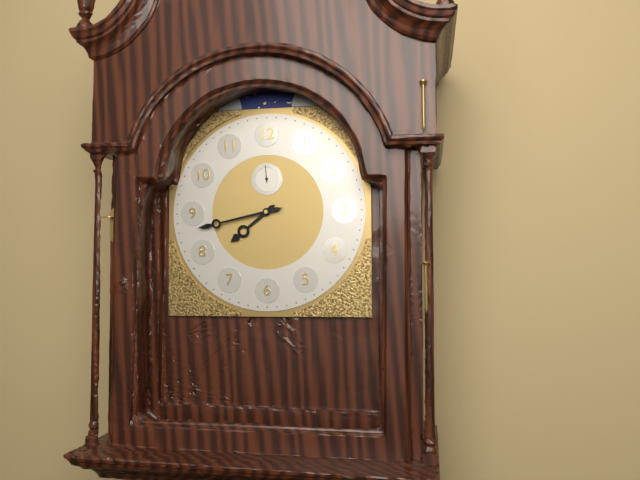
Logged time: 7 h 43 min
